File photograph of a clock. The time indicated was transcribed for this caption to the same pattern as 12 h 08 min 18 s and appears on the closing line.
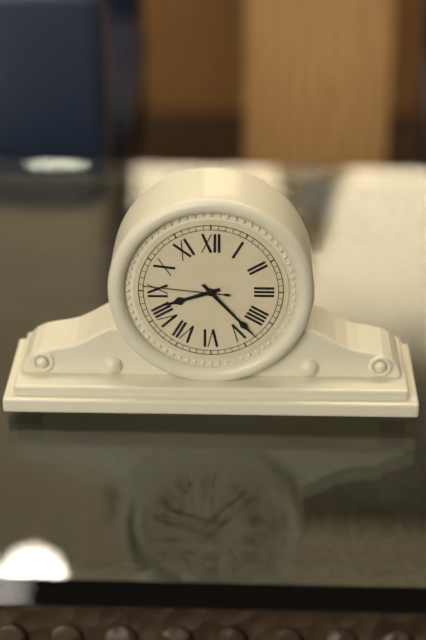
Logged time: 8 h 23 min 46 s
